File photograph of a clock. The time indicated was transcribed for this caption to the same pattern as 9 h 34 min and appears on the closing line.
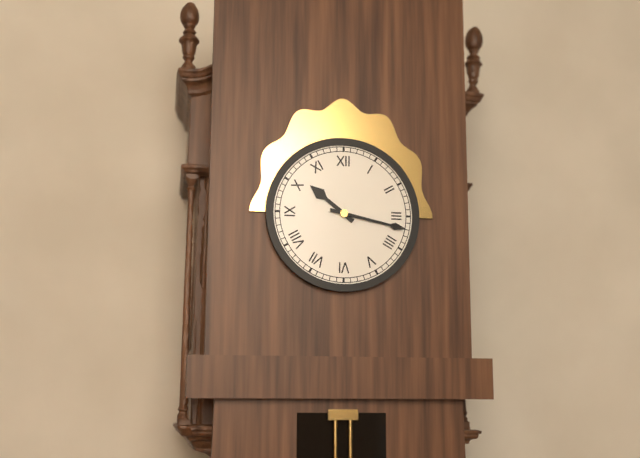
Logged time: 10 h 17 min
